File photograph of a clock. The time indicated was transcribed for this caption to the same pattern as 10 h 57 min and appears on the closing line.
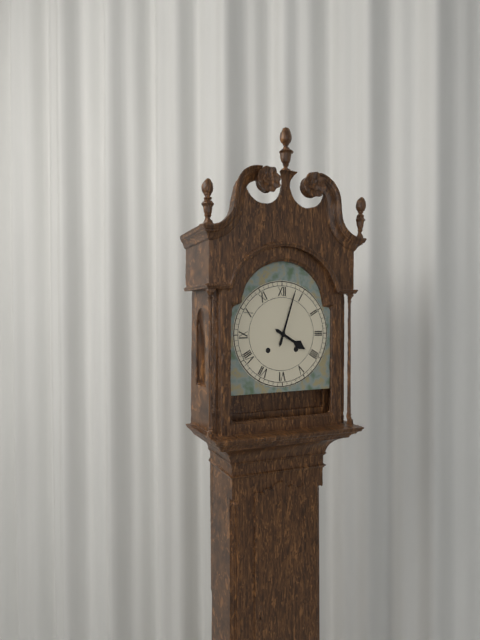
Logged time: 4 h 03 min
